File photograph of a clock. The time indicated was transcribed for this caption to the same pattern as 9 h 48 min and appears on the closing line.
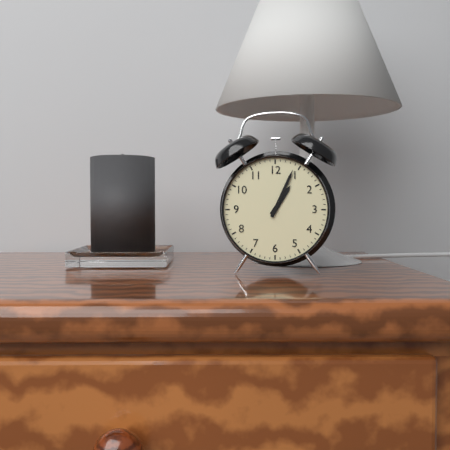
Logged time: 1 h 04 min
